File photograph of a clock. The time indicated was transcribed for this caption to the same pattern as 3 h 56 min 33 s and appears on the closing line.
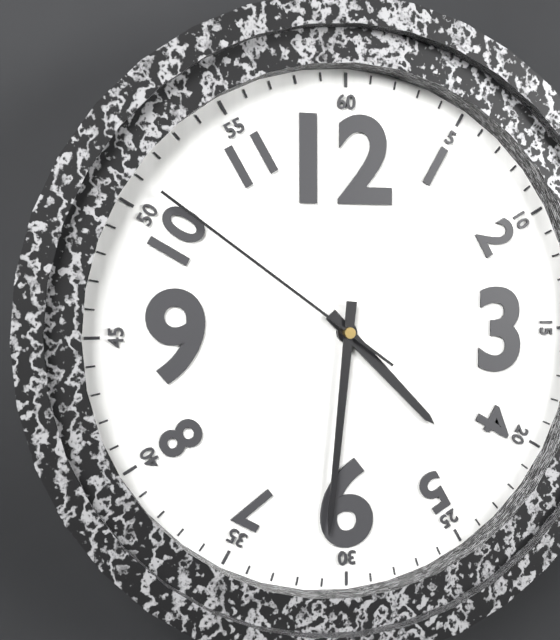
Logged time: 4 h 31 min 51 s
